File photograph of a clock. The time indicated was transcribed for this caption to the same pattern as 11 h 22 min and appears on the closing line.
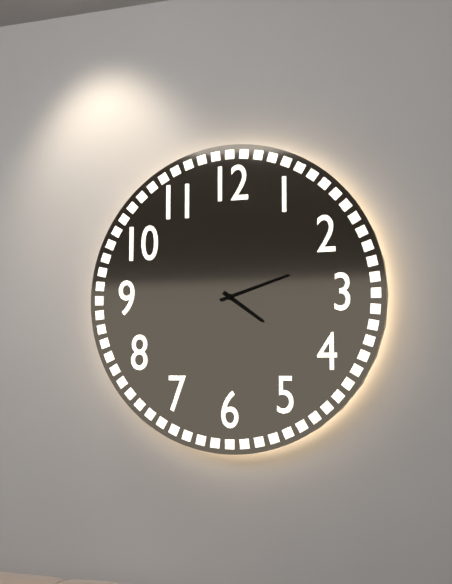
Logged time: 4 h 12 min
